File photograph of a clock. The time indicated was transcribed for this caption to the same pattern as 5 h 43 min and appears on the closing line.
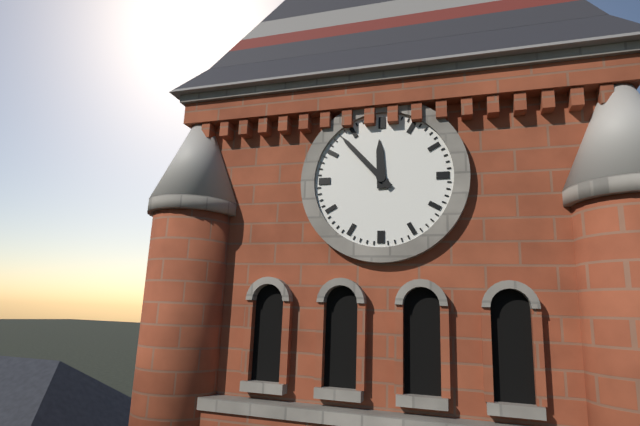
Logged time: 11 h 53 min
